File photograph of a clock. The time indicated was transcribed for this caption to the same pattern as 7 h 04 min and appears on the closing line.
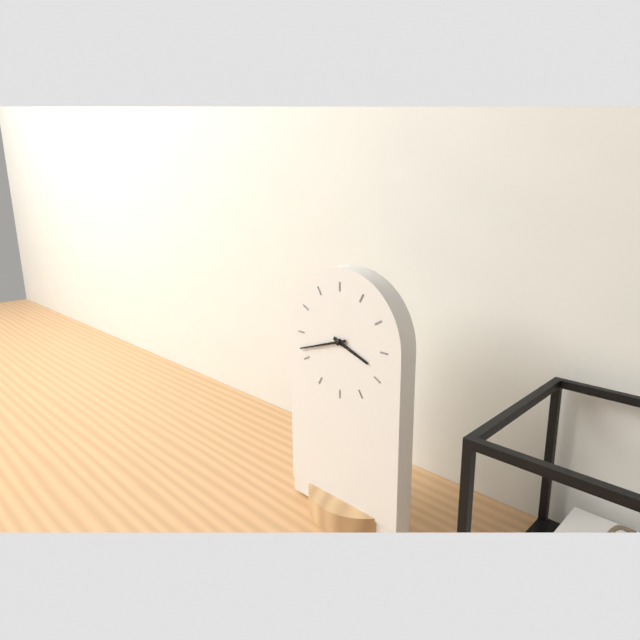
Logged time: 3 h 42 min
